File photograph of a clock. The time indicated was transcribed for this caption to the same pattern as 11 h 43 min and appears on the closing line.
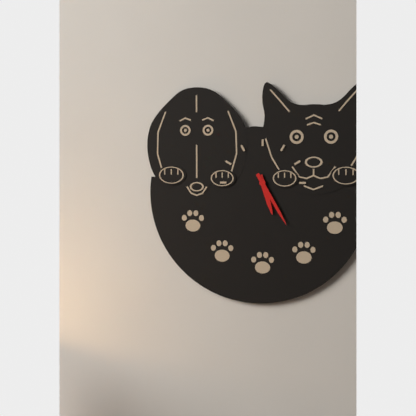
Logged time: 5 h 25 min
